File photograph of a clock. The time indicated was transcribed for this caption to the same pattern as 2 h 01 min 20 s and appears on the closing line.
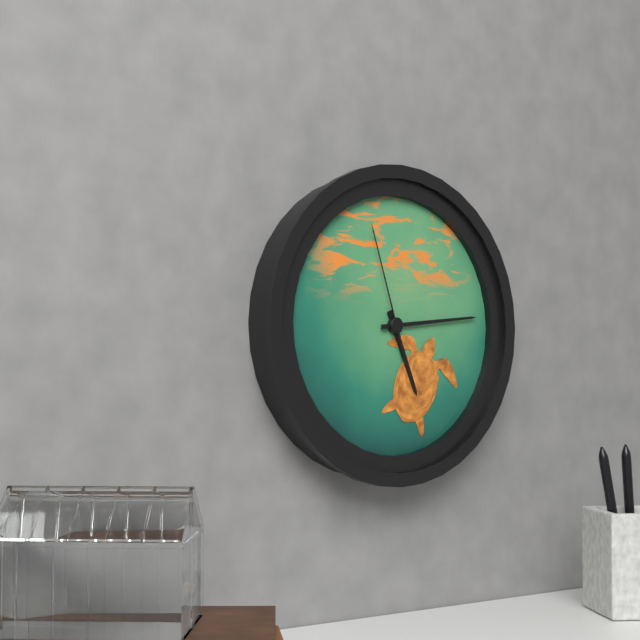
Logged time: 5 h 14 min 57 s
